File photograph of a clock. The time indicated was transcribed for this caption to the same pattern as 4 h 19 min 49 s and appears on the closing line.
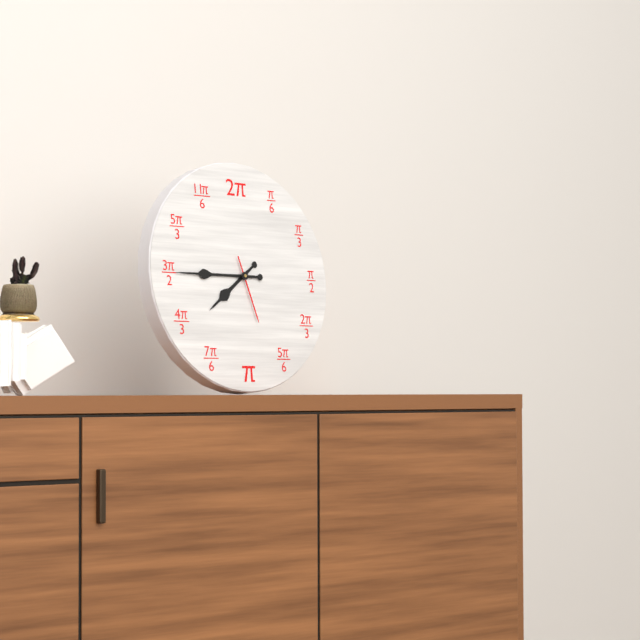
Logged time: 7 h 45 min 27 s
